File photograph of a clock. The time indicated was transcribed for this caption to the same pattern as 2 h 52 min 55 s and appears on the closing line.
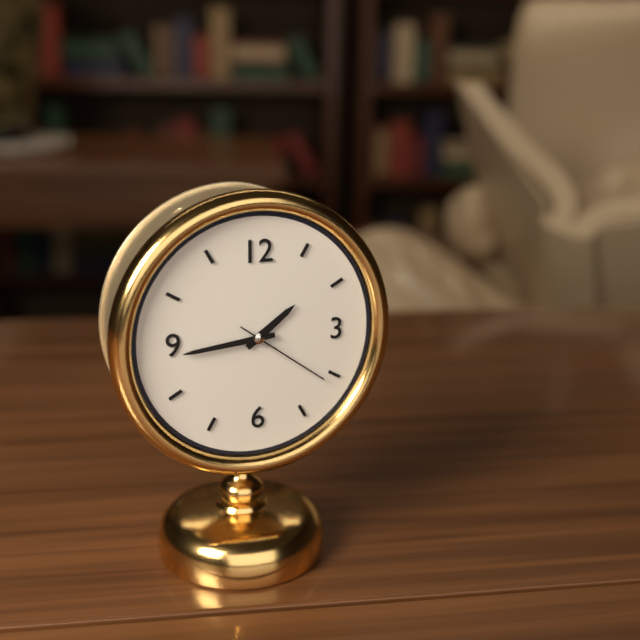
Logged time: 1 h 44 min 21 s
